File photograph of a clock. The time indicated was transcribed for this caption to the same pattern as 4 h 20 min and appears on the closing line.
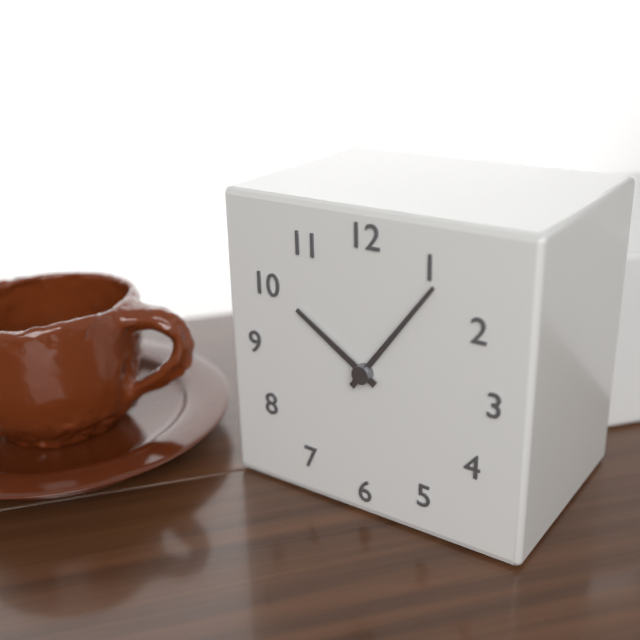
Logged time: 10 h 06 min
